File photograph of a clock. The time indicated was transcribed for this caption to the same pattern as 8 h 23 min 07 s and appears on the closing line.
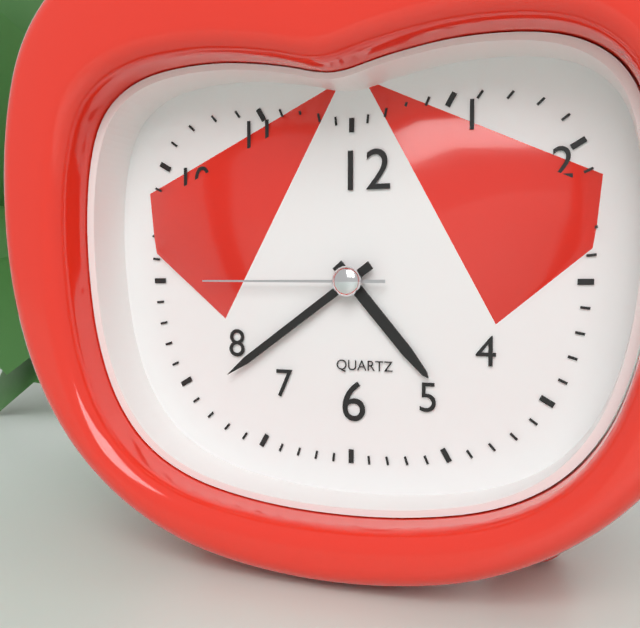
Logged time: 4 h 39 min 45 s
